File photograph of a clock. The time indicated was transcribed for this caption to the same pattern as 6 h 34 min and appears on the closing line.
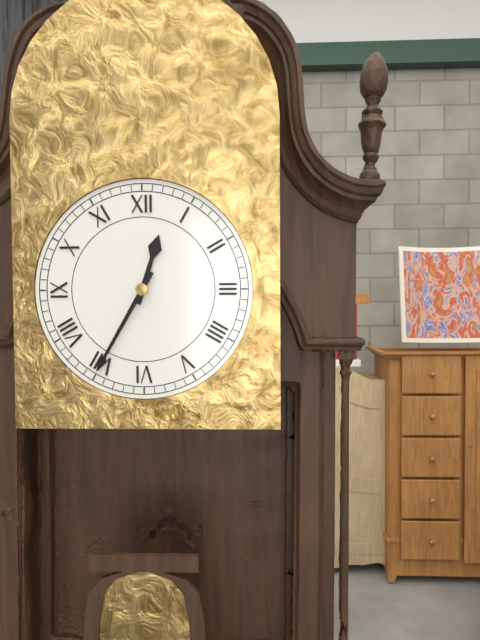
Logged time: 12 h 35 min
